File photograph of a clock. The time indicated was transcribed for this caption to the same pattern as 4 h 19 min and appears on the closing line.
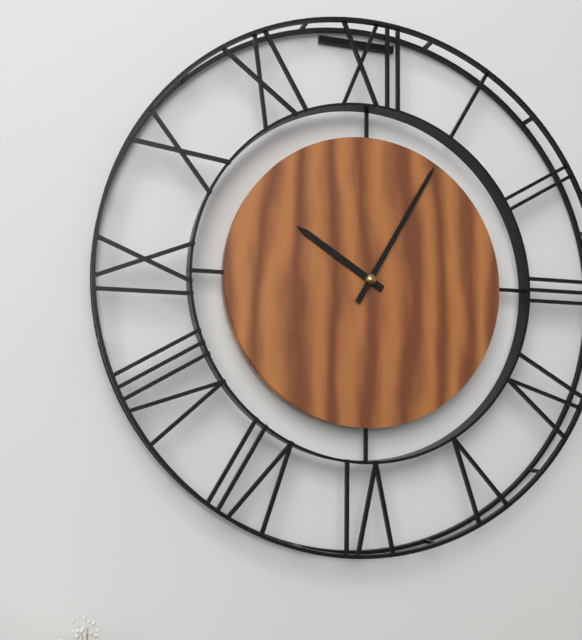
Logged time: 10 h 05 min
